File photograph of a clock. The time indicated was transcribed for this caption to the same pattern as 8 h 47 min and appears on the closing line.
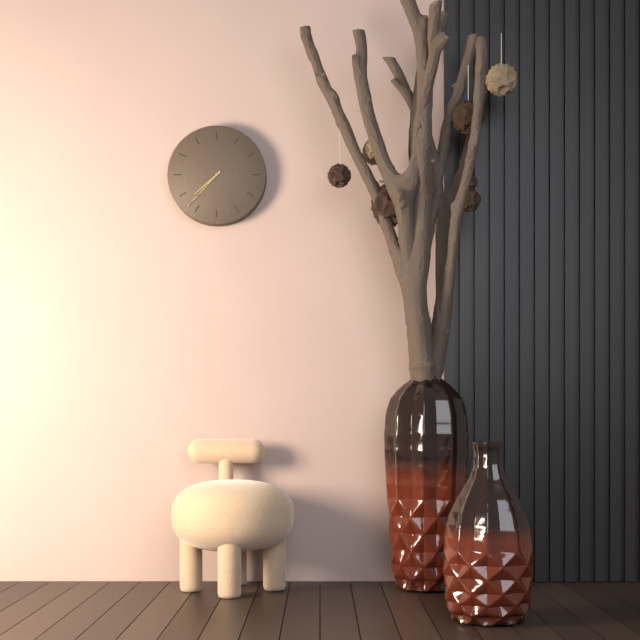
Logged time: 7 h 37 min
